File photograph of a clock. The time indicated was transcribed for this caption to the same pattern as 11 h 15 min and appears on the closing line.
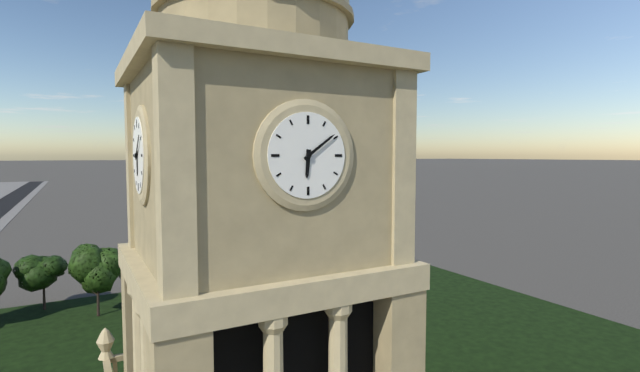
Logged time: 6 h 09 min
